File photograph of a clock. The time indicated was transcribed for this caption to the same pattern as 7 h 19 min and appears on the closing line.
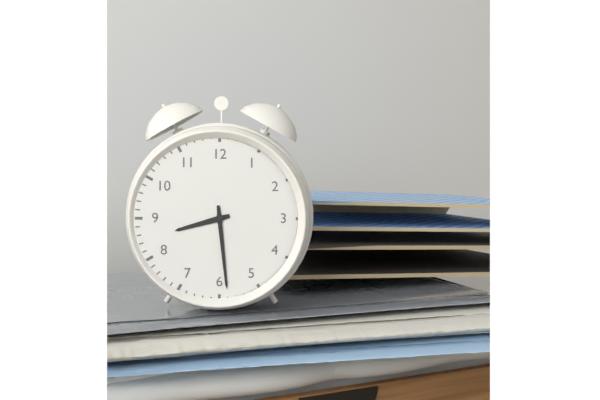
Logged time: 8 h 29 min
